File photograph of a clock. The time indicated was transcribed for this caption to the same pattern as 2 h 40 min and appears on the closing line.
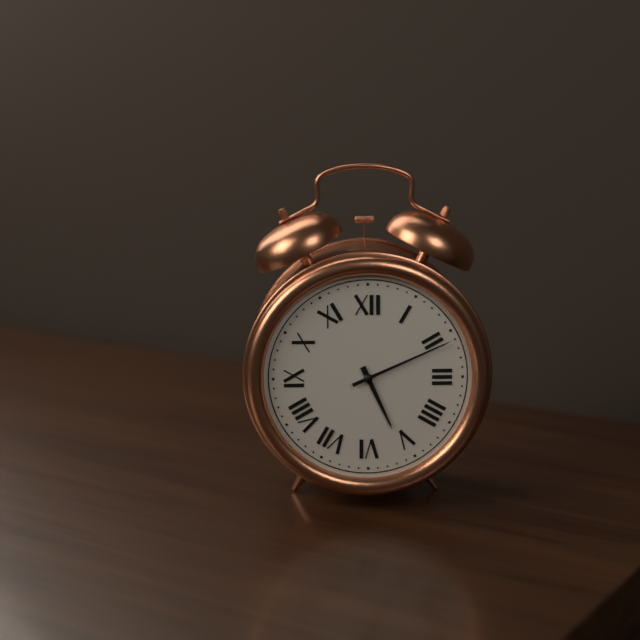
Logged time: 5 h 11 min
